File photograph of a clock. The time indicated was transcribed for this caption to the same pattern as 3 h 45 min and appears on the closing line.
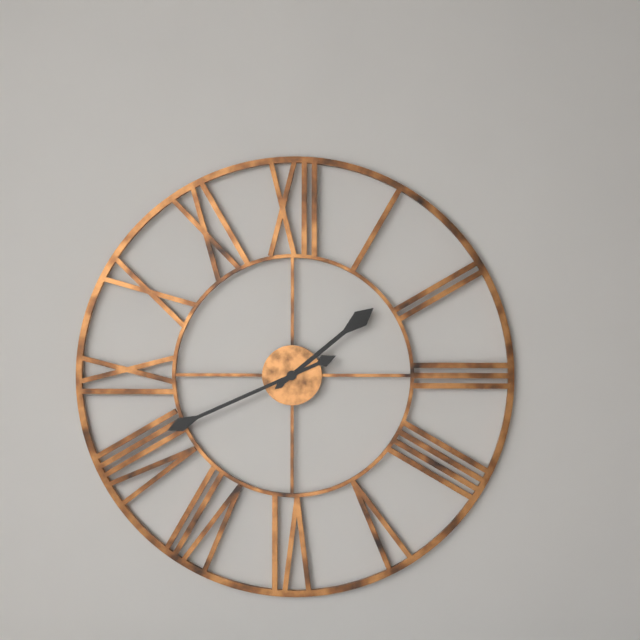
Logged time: 1 h 41 min
